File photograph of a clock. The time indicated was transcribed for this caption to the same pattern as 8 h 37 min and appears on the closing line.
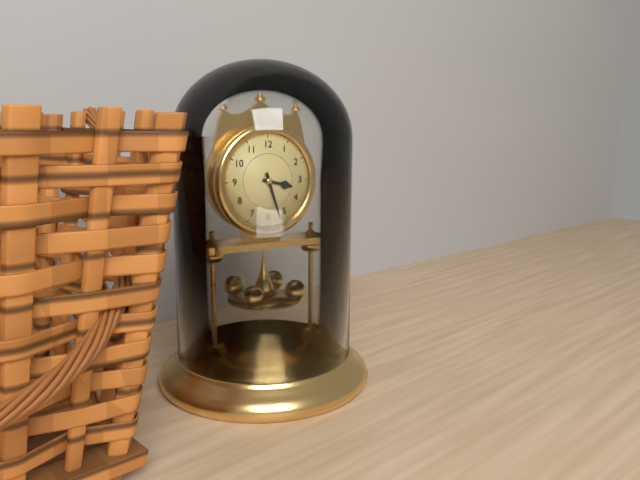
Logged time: 3 h 27 min
